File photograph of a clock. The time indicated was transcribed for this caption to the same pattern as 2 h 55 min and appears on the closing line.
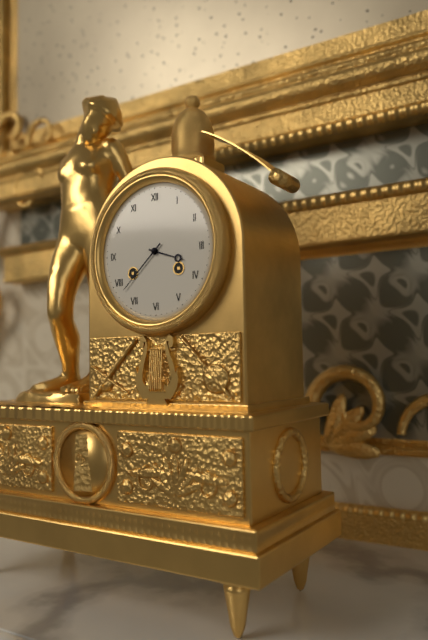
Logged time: 3 h 38 min
